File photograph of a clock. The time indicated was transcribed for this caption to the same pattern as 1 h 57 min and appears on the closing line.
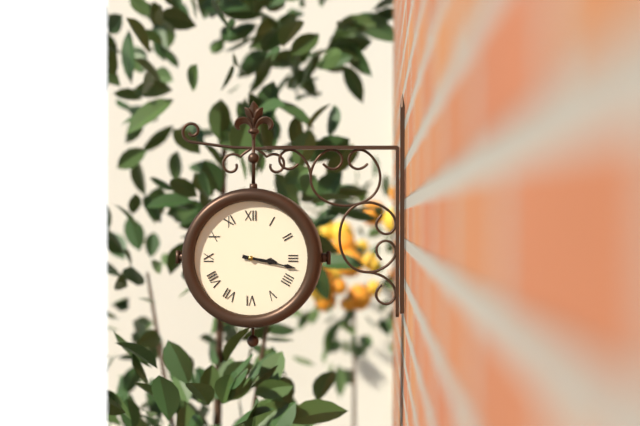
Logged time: 3 h 17 min
